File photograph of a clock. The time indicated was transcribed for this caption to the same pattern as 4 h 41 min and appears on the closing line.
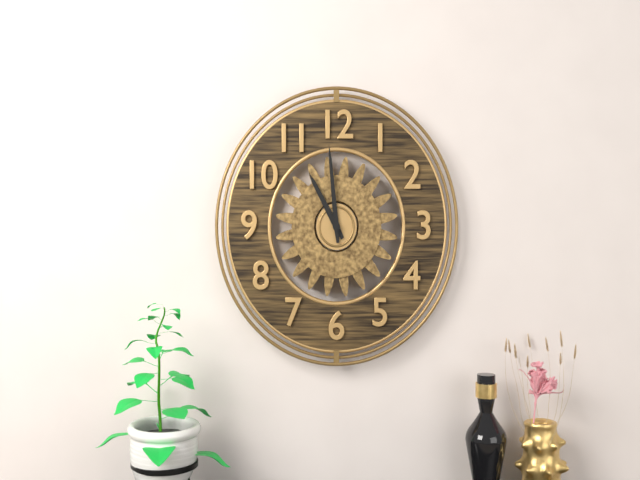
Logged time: 10 h 59 min
